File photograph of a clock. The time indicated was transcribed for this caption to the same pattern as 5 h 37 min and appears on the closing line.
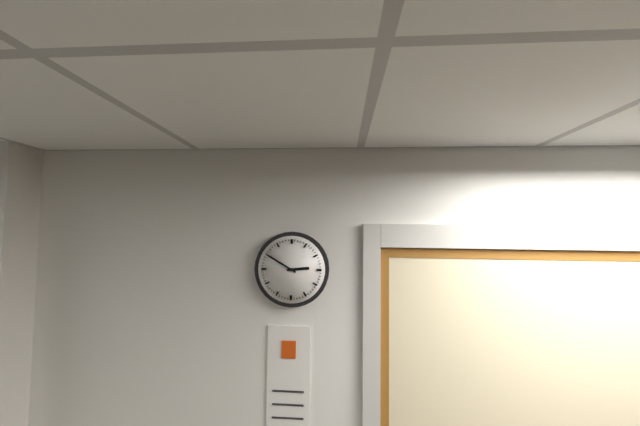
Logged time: 2 h 50 min
